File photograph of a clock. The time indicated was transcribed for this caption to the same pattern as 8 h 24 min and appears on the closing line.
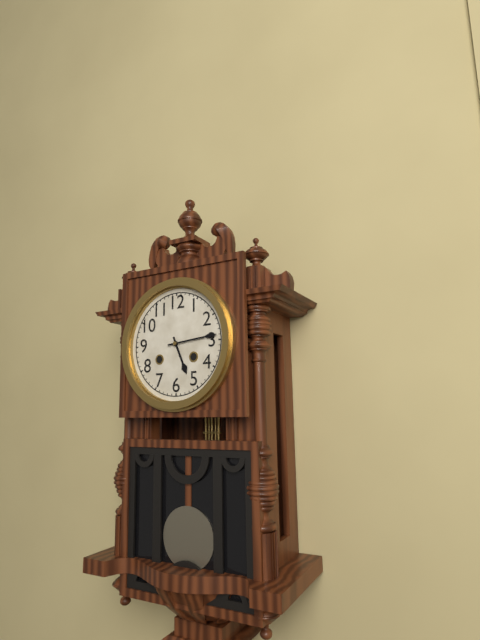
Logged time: 5 h 14 min
